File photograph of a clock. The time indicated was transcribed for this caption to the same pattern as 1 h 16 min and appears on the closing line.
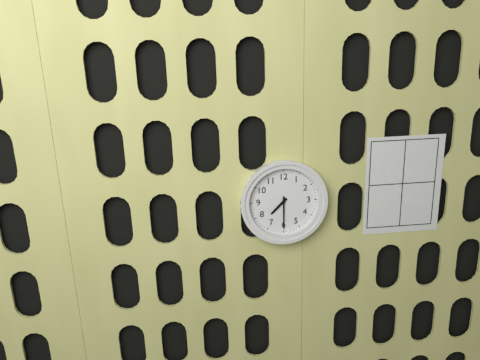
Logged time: 7 h 30 min
